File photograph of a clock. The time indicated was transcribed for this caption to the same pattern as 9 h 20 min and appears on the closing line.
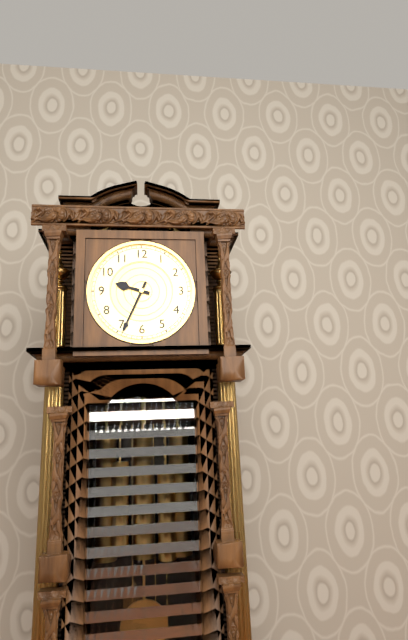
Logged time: 9 h 34 min
